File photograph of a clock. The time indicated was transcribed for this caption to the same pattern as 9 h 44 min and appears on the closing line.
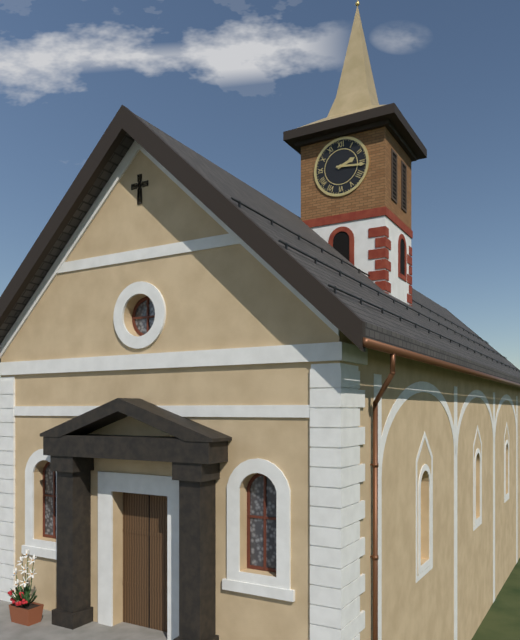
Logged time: 2 h 16 min
